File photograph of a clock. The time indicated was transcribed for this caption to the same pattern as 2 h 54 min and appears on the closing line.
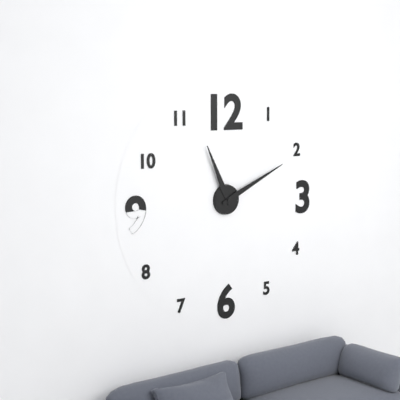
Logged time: 11 h 11 min
